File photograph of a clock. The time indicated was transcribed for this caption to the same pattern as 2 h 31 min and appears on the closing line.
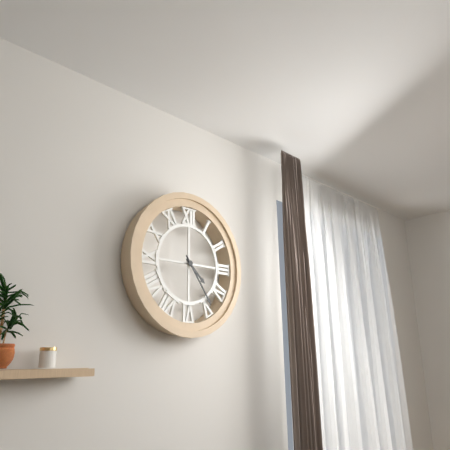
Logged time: 4 h 24 min
